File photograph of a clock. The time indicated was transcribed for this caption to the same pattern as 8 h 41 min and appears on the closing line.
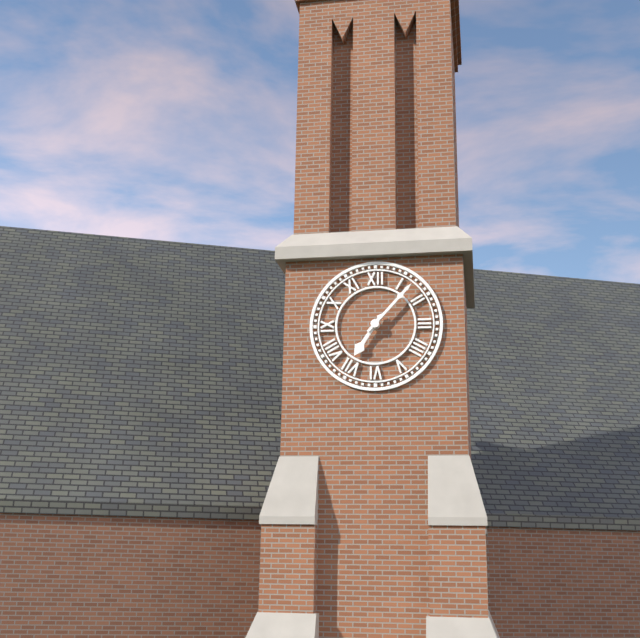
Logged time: 7 h 07 min
